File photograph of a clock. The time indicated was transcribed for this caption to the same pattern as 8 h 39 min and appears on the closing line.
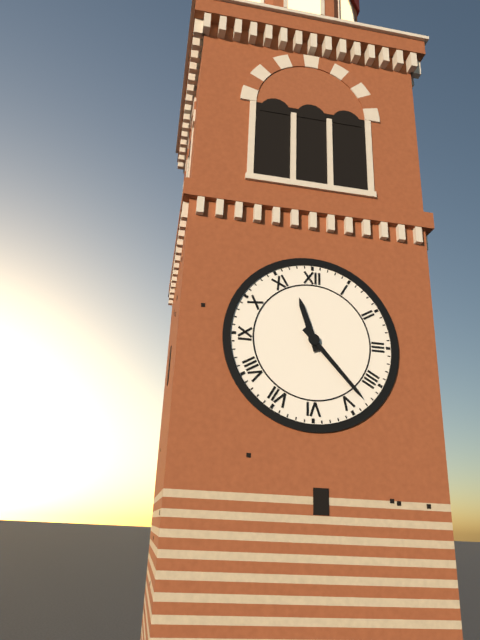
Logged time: 11 h 23 min
